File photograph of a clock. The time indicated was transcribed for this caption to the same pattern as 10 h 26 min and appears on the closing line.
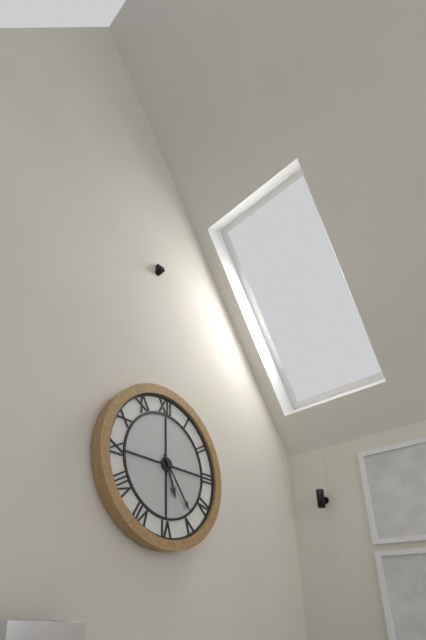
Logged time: 5 h 24 min
